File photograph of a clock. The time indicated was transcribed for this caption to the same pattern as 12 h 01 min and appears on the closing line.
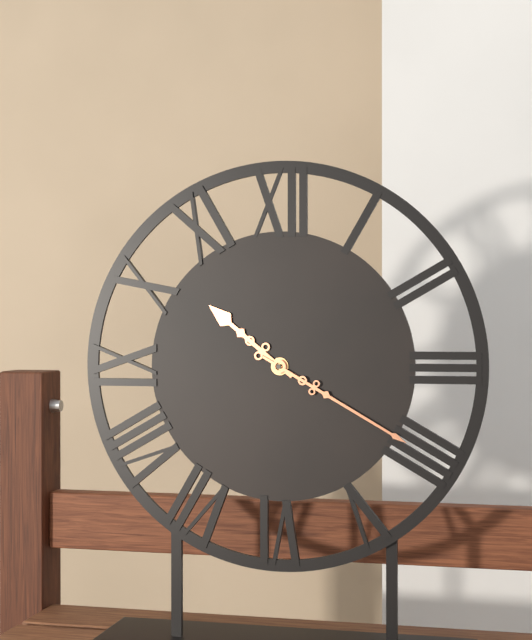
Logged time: 10 h 20 min
